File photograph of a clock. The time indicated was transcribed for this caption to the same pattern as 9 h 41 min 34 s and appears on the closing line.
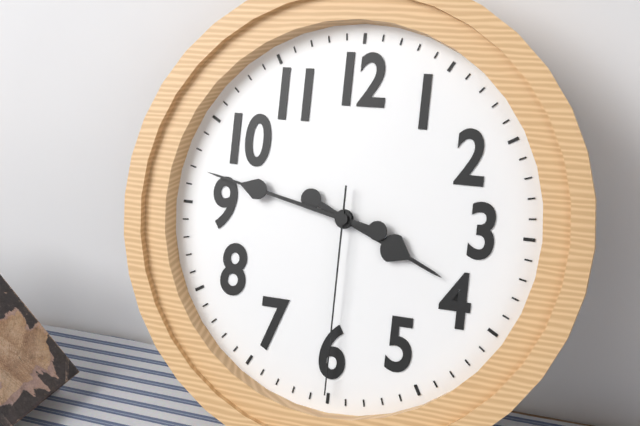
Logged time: 3 h 47 min 30 s
